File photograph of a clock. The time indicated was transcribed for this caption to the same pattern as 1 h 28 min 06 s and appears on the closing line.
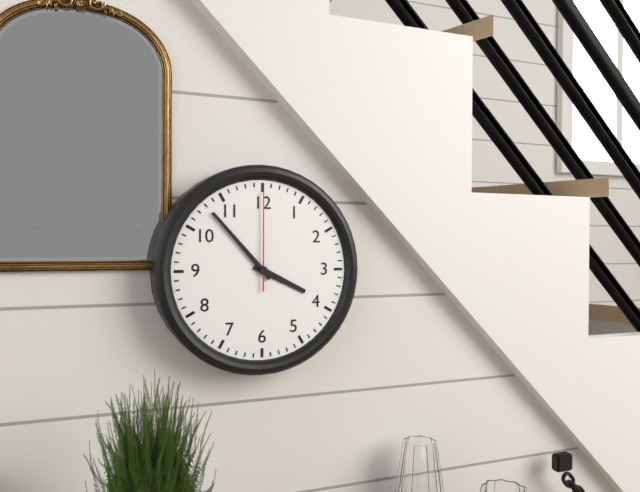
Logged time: 3 h 53 min 00 s
